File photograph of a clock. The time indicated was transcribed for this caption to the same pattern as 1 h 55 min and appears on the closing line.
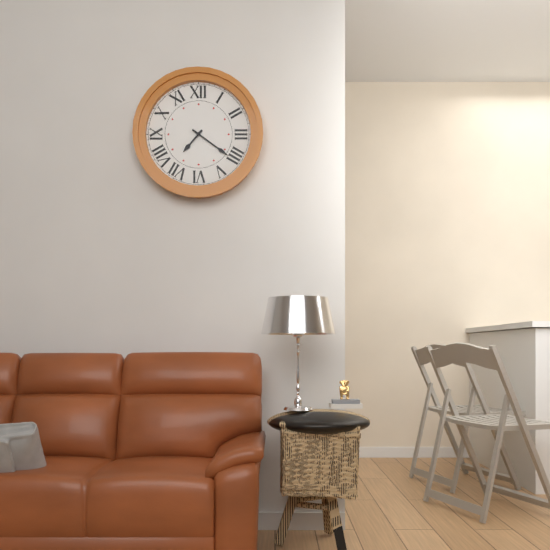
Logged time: 7 h 21 min
